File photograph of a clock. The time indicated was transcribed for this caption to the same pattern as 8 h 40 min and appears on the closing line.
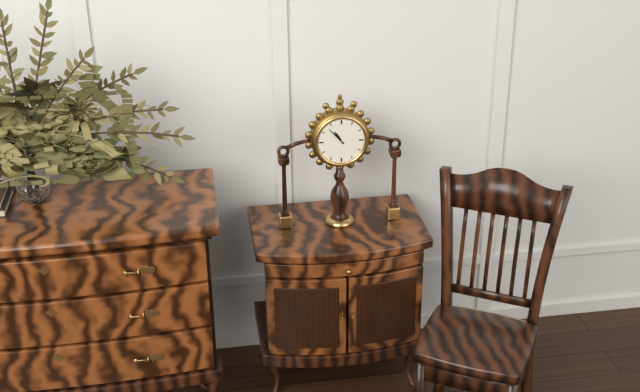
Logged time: 10 h 53 min
